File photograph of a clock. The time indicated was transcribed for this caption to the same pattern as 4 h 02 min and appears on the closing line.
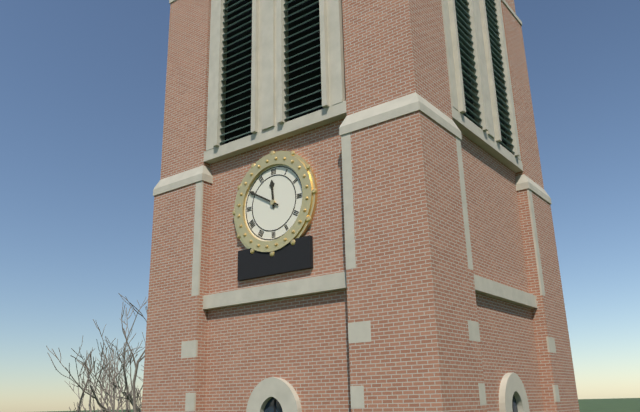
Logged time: 11 h 50 min
